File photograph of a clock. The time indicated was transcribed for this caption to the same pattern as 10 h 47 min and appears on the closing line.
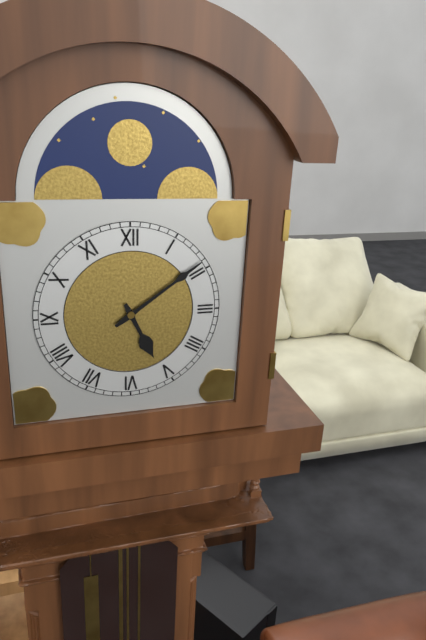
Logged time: 5 h 09 min
